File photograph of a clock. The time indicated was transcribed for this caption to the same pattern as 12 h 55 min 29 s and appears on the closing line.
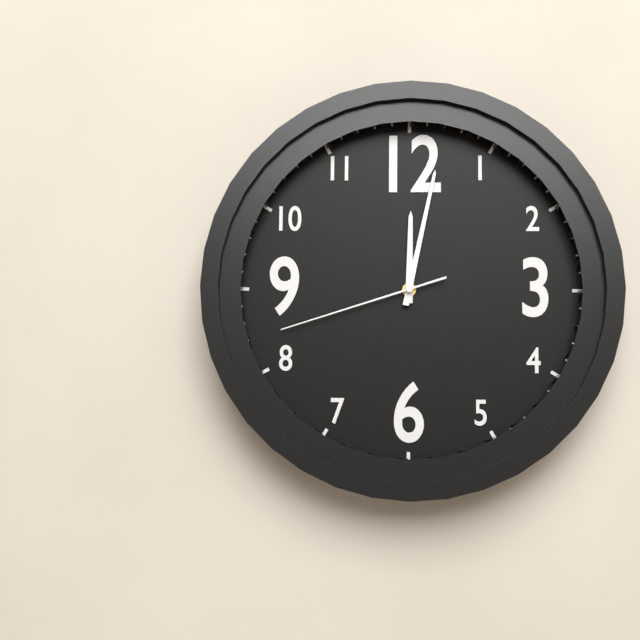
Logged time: 12 h 02 min 42 s
